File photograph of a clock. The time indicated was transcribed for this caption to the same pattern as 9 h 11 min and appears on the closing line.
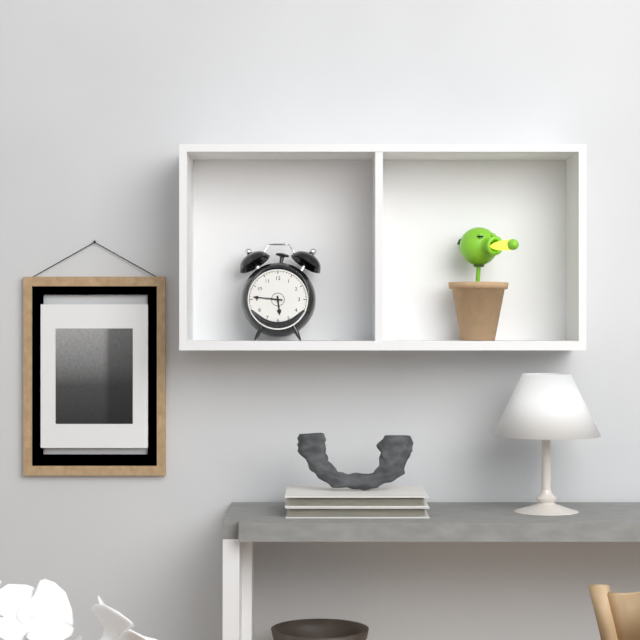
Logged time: 5 h 46 min
